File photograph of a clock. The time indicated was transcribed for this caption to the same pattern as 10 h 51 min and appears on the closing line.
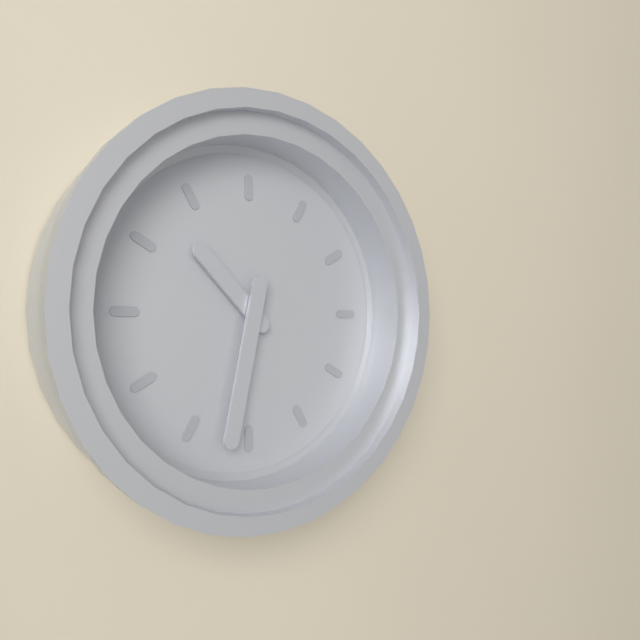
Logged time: 10 h 32 min
